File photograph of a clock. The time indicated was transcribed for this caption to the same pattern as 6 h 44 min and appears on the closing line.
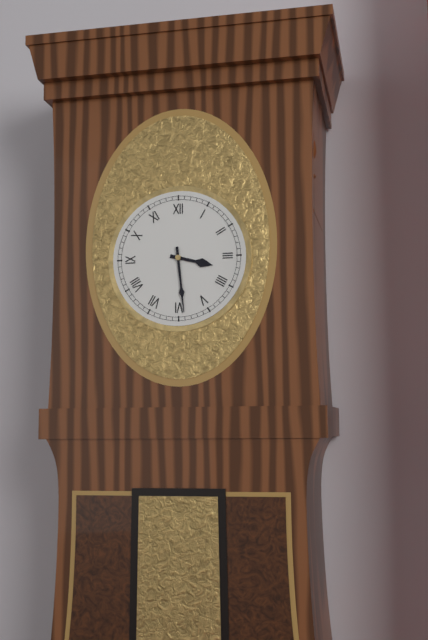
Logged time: 3 h 29 min
